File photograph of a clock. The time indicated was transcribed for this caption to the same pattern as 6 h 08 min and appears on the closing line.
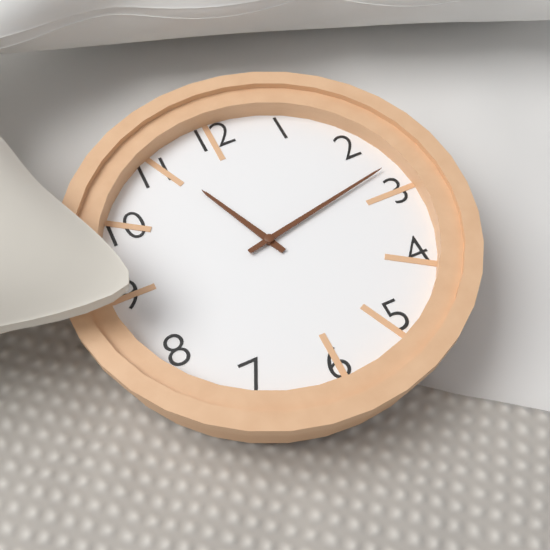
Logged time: 11 h 13 min
